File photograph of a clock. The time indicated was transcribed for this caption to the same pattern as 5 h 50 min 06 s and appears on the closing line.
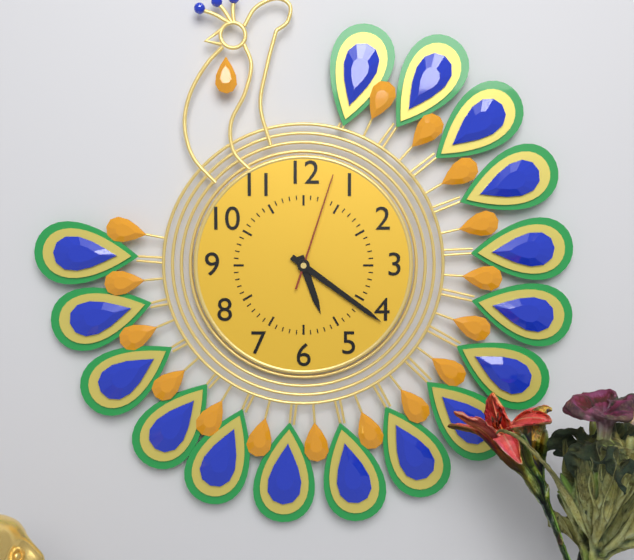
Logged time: 5 h 21 min 03 s
